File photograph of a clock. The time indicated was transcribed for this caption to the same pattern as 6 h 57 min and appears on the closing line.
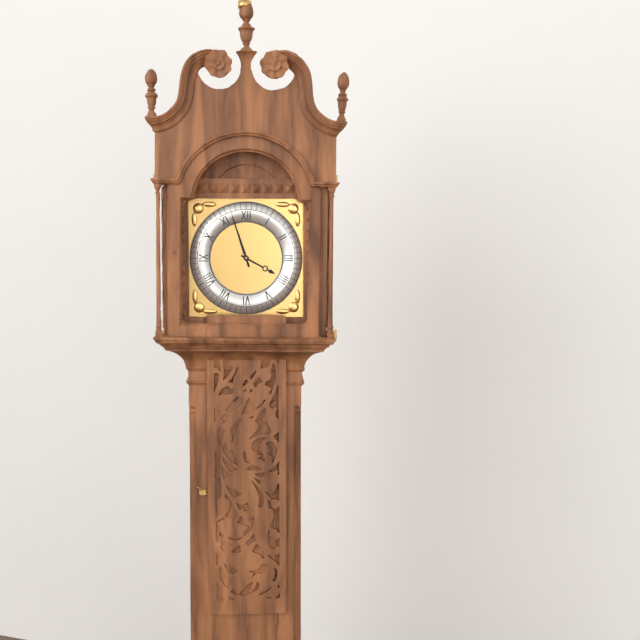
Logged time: 3 h 57 min
